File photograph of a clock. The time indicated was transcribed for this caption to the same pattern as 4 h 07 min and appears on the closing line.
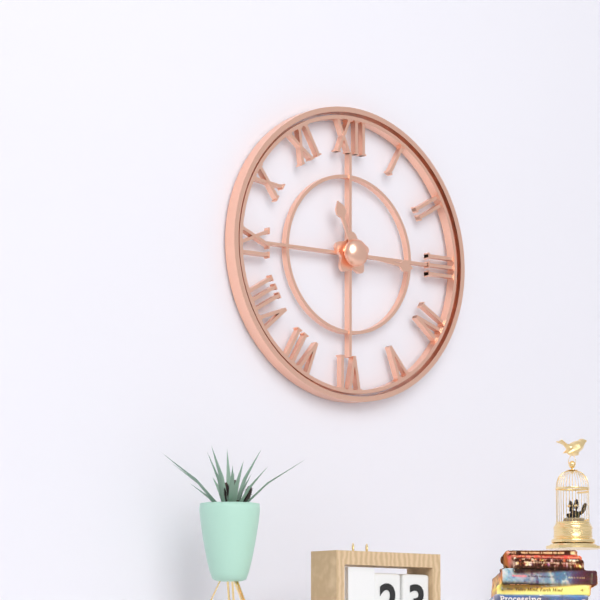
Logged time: 11 h 16 min
